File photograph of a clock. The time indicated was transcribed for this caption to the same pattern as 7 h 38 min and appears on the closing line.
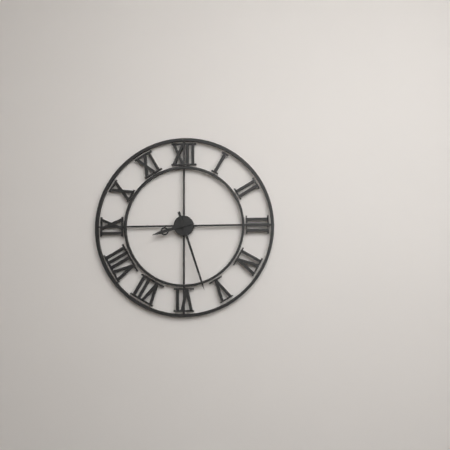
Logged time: 8 h 27 min
